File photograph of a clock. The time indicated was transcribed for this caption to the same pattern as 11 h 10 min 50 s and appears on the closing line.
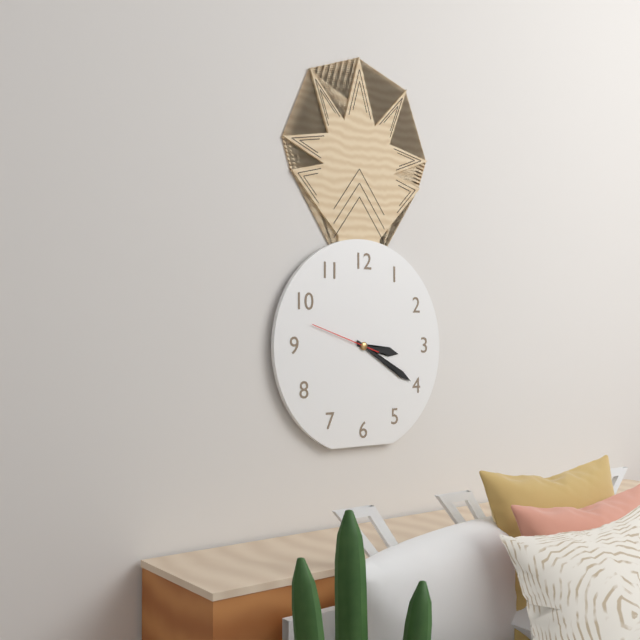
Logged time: 3 h 20 min 48 s
